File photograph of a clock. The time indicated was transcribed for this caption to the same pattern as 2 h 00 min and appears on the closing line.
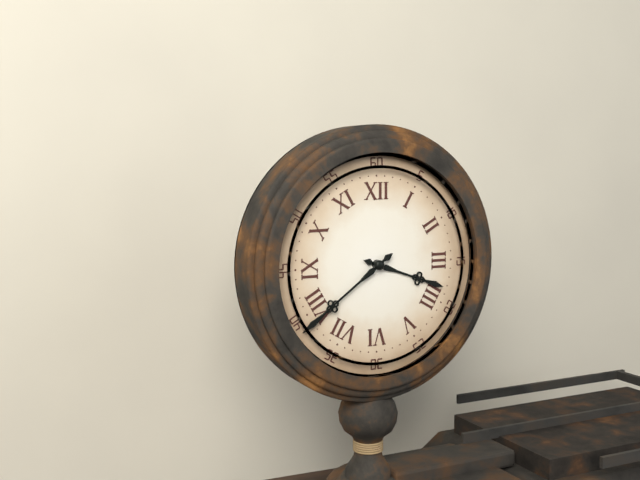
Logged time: 3 h 39 min
